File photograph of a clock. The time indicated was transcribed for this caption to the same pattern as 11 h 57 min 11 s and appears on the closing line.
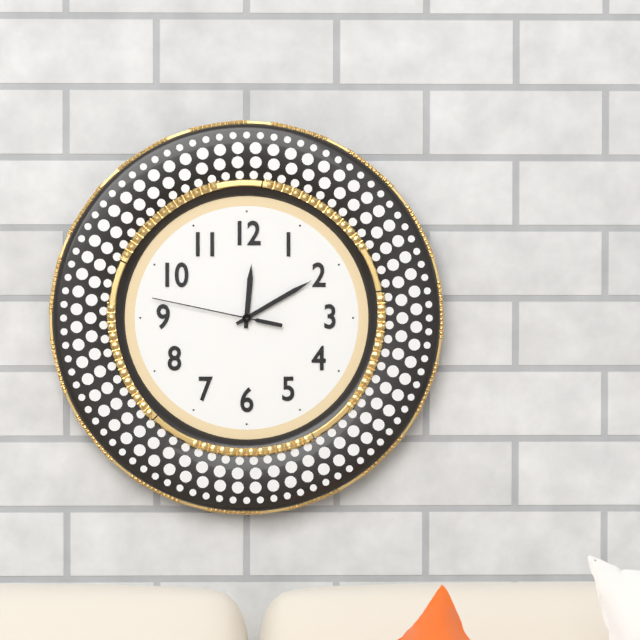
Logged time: 12 h 10 min 47 s
